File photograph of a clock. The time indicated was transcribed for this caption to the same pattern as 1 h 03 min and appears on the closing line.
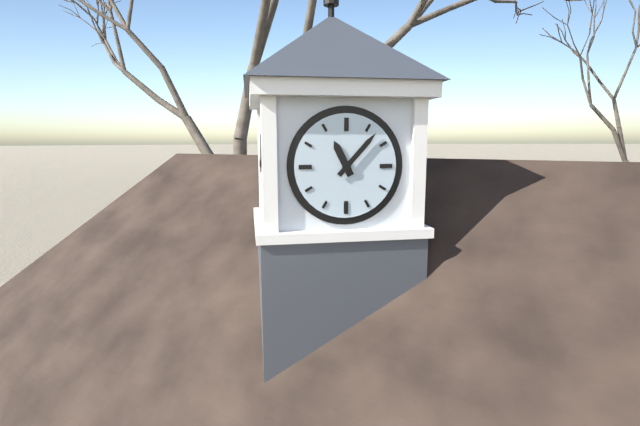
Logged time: 11 h 07 min
